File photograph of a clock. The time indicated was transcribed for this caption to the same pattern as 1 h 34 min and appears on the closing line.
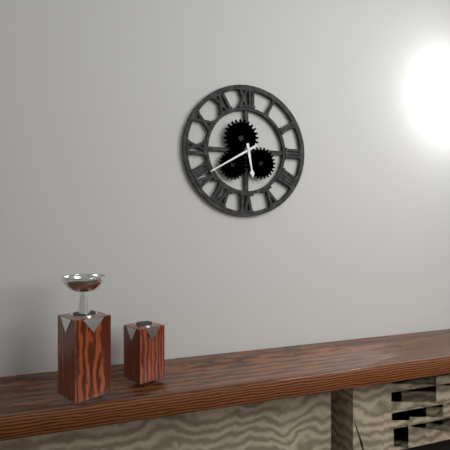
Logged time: 5 h 40 min
